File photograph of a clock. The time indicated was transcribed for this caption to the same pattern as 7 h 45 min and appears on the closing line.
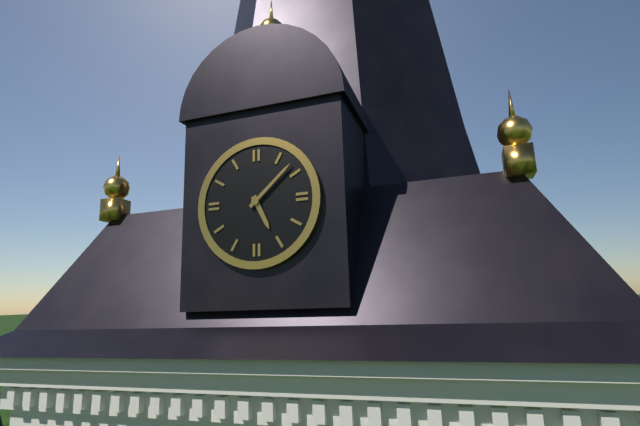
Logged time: 5 h 08 min
